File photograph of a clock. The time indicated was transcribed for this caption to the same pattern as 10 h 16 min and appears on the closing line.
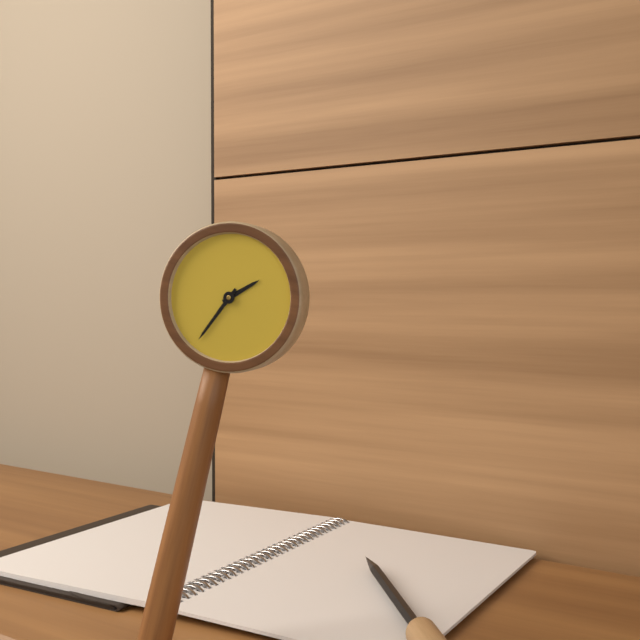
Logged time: 1 h 34 min
